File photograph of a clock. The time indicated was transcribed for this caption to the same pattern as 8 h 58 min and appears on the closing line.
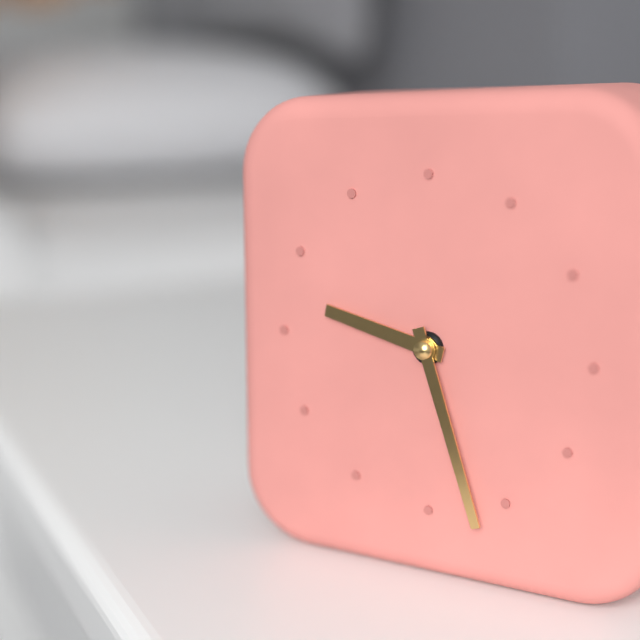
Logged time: 9 h 27 min
